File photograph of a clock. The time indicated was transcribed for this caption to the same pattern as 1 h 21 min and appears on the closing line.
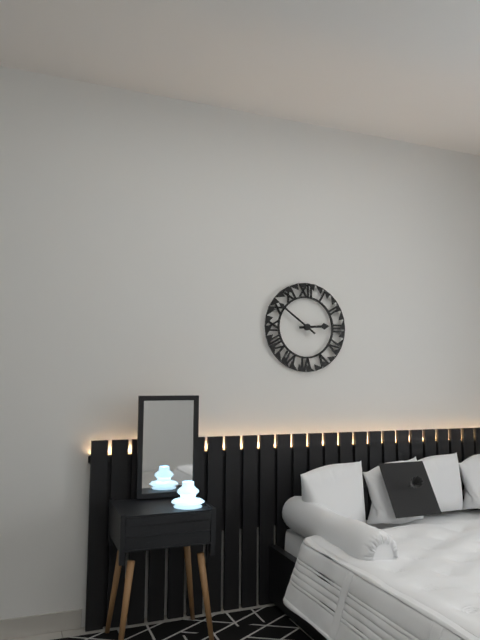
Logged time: 2 h 51 min
